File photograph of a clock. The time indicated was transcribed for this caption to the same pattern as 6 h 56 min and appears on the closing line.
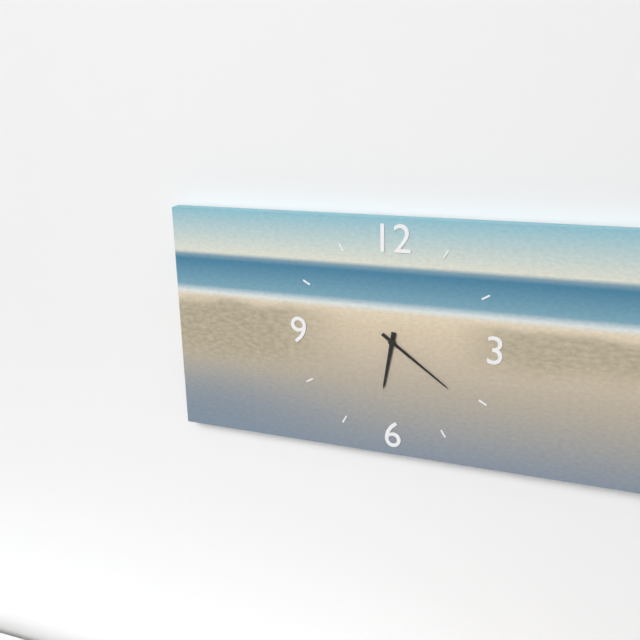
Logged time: 6 h 21 min
